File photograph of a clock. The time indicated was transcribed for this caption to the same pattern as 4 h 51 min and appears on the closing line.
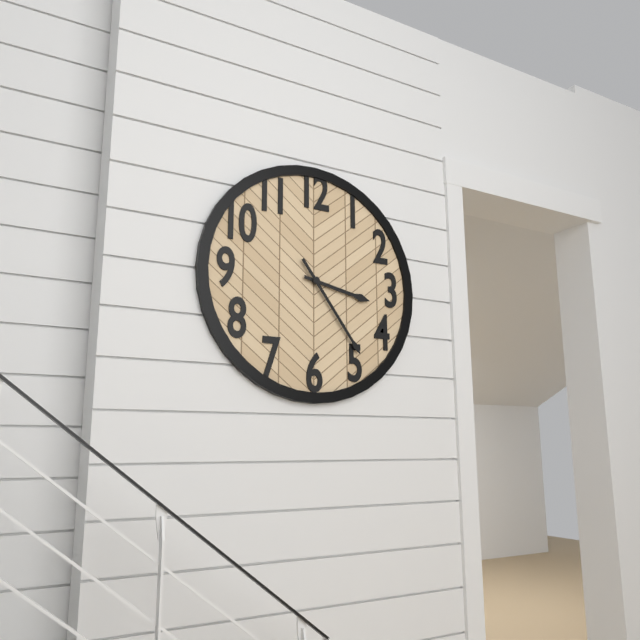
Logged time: 3 h 24 min
